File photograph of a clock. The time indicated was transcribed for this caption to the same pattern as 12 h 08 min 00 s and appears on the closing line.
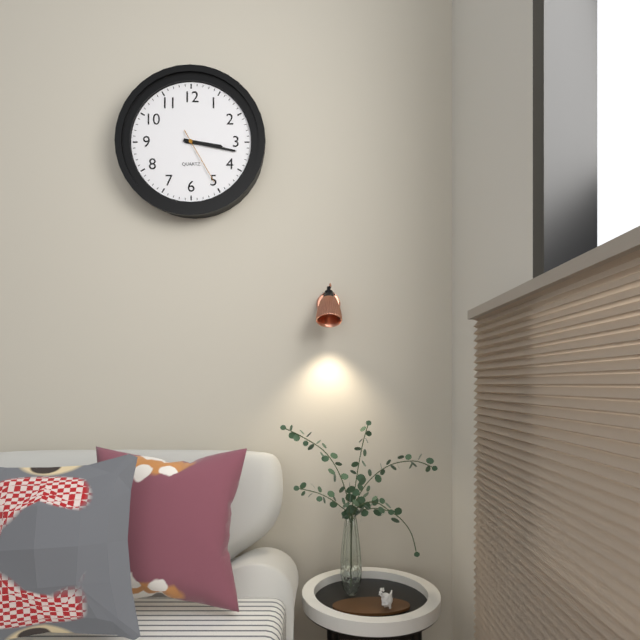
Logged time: 3 h 17 min 25 s
